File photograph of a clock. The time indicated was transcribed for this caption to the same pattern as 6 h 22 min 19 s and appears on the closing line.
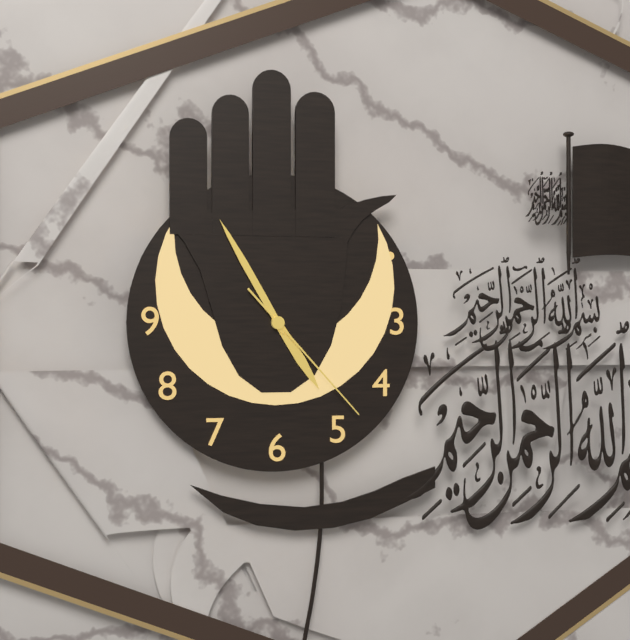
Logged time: 4 h 55 min 23 s
